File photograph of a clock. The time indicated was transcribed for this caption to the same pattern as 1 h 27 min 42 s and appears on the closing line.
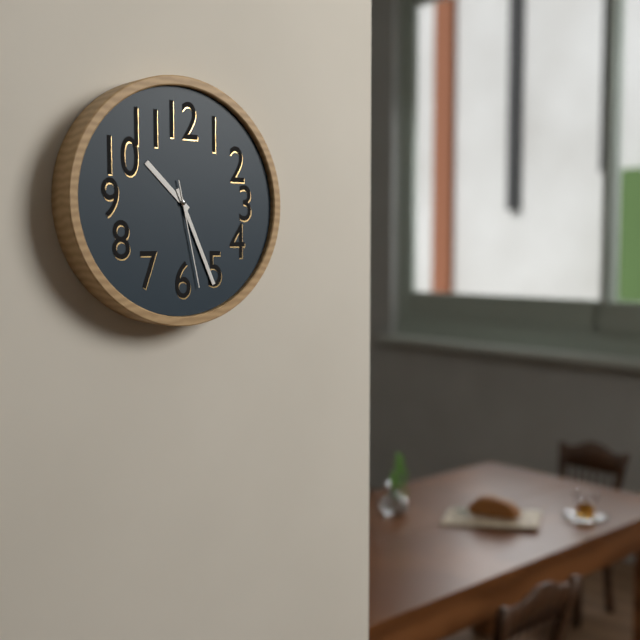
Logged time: 10 h 26 min 28 s
